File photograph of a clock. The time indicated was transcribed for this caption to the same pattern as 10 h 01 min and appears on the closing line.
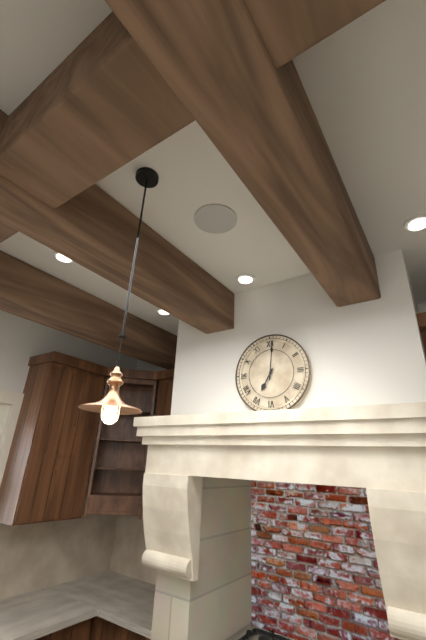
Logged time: 7 h 01 min
